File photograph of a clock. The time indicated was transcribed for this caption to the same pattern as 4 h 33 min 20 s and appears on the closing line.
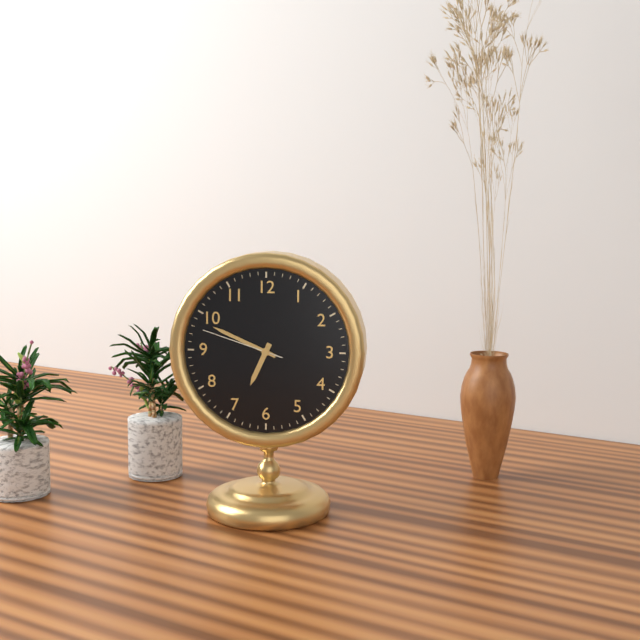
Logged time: 6 h 49 min 48 s
